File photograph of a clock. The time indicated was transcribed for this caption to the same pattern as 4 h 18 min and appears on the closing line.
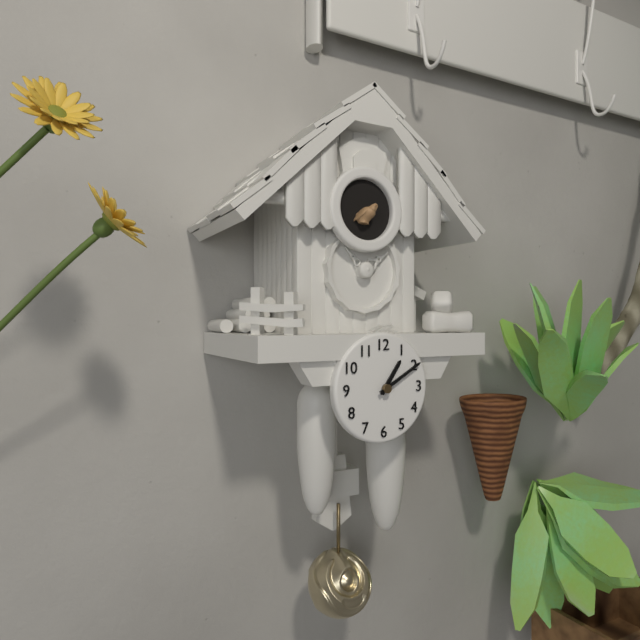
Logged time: 1 h 10 min
